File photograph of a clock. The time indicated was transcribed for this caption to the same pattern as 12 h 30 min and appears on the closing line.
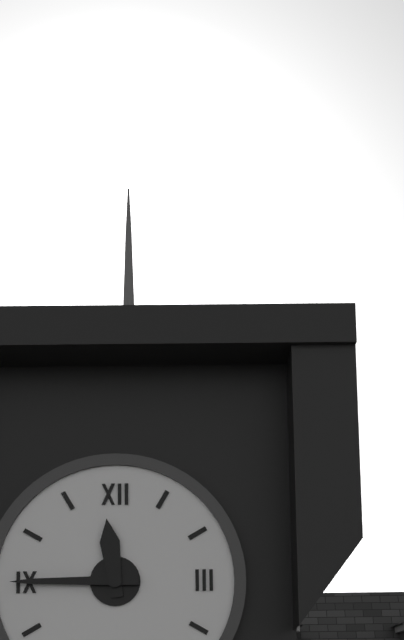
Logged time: 11 h 45 min
